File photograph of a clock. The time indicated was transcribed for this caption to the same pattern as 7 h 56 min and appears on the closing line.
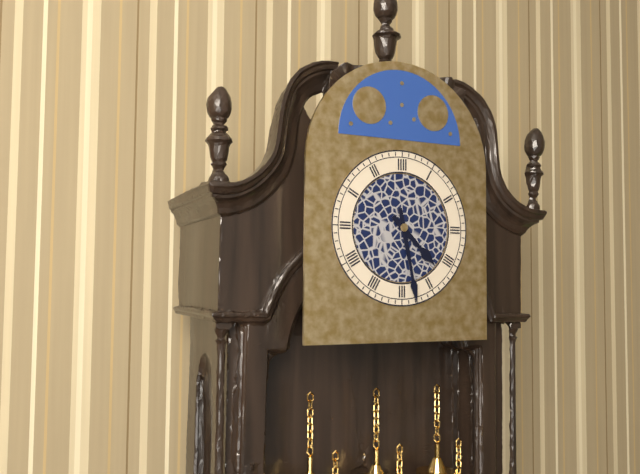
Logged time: 4 h 28 min
